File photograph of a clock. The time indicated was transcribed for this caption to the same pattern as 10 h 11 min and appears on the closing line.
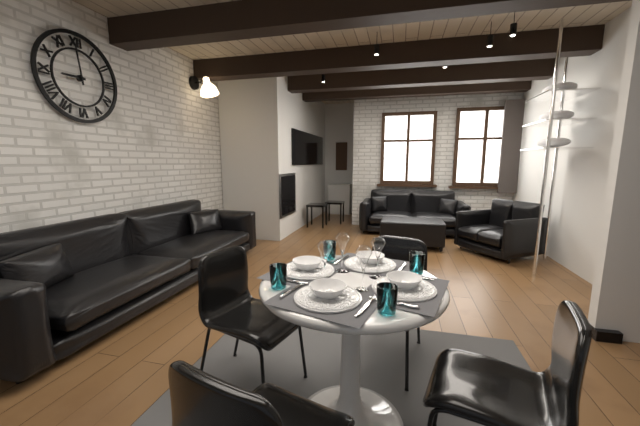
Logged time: 8 h 59 min
